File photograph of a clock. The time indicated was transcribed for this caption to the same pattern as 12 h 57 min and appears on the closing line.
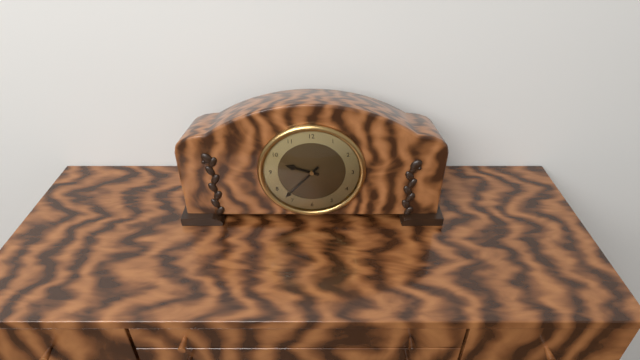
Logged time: 9 h 37 min
